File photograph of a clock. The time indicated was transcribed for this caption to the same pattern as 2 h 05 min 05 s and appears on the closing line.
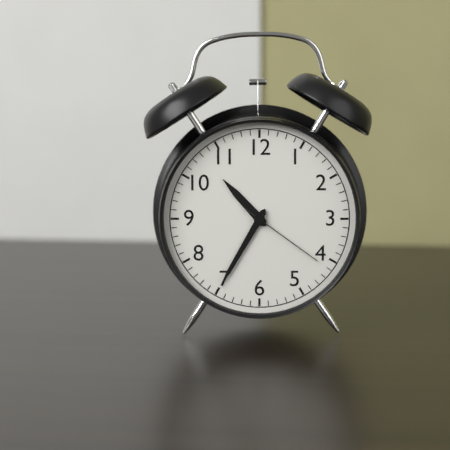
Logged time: 10 h 35 min 21 s
